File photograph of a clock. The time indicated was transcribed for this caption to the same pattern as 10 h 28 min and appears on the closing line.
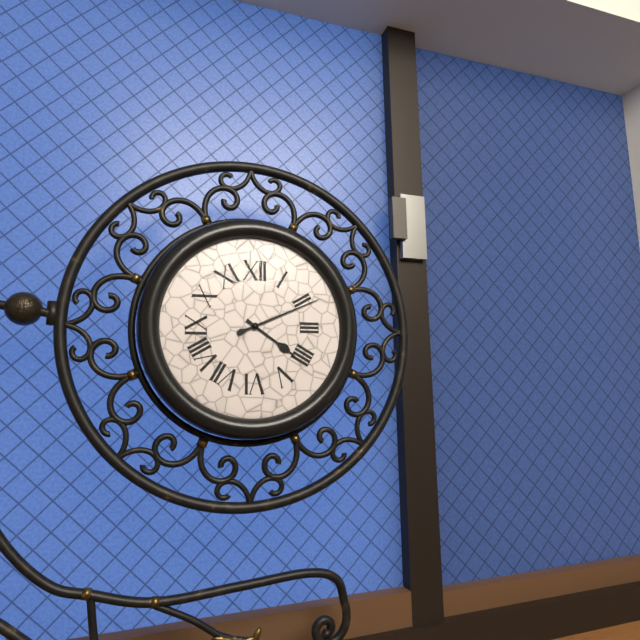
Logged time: 4 h 11 min
